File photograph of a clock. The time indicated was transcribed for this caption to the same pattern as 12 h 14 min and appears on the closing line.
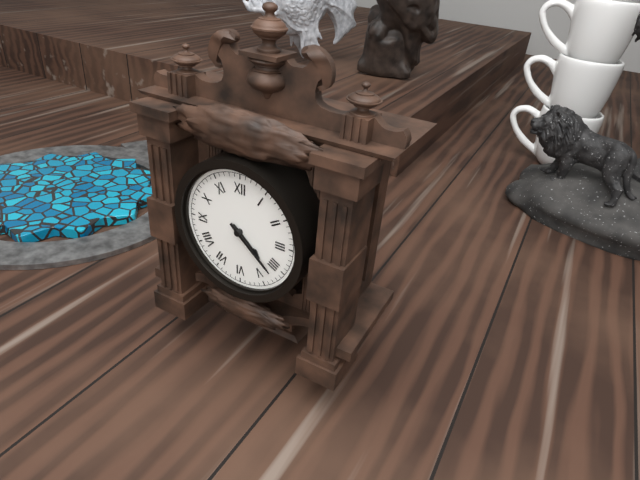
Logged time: 4 h 22 min
